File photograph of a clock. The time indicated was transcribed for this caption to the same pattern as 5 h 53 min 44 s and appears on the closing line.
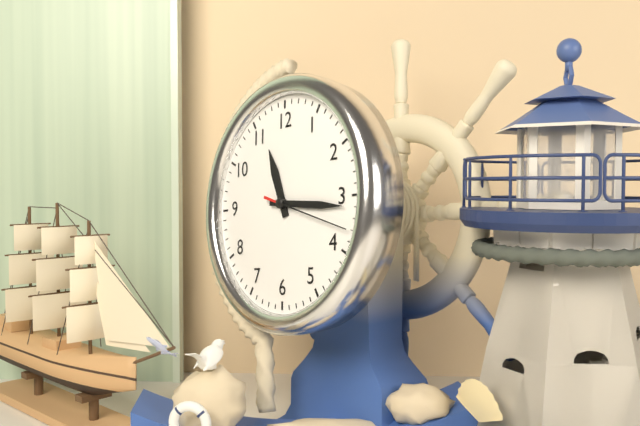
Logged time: 11 h 16 min 18 s
